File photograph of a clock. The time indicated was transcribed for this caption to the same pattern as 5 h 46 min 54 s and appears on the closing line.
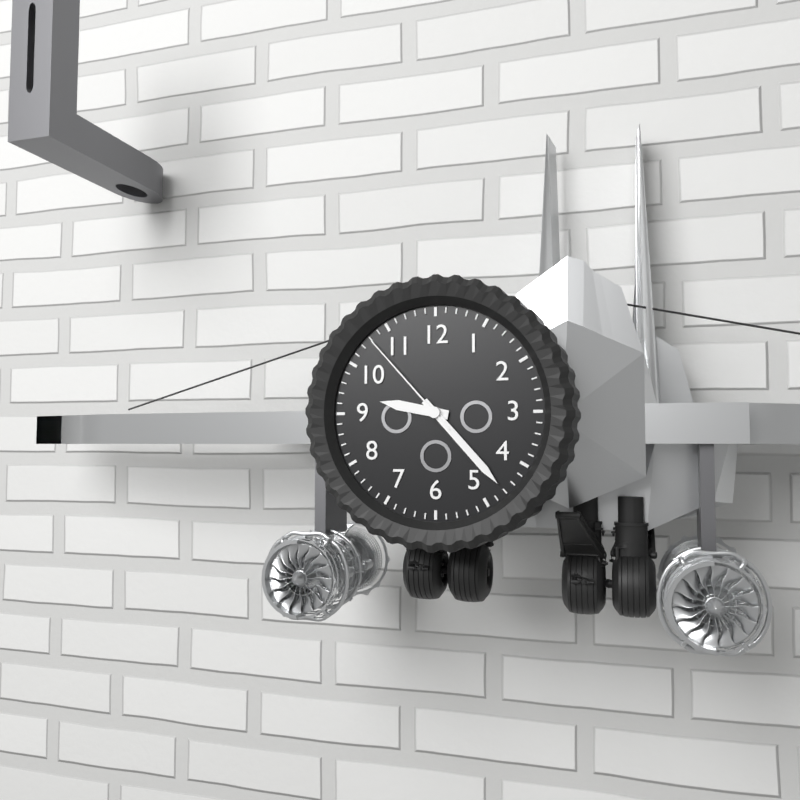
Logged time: 9 h 23 min 53 s
